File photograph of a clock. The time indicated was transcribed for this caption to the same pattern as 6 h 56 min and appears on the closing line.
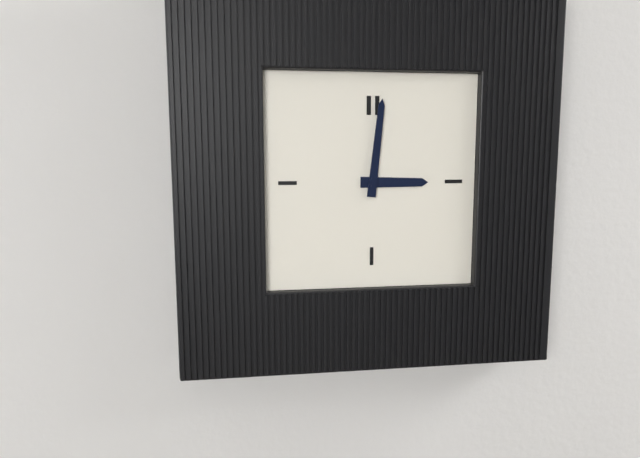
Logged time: 3 h 01 min
